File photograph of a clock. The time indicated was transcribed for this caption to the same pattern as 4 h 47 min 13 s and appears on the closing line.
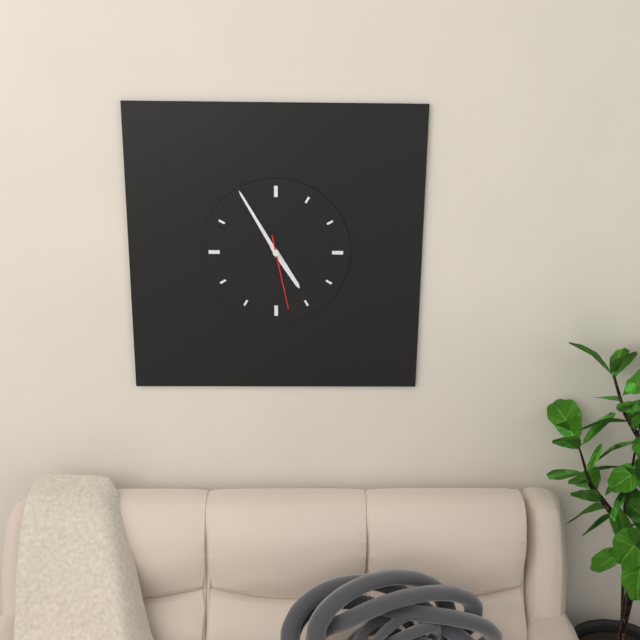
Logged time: 4 h 55 min 28 s
